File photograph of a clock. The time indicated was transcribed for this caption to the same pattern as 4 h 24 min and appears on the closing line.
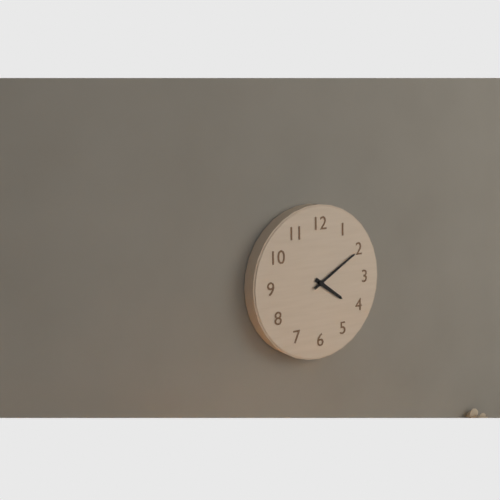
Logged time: 4 h 10 min
